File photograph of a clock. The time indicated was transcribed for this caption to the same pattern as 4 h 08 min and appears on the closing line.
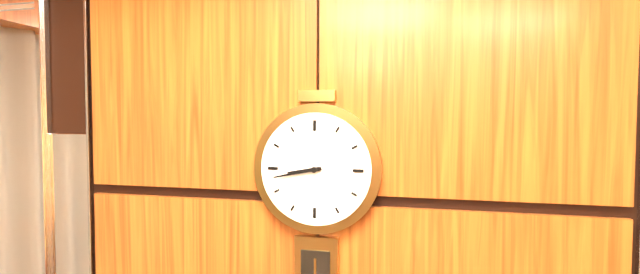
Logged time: 8 h 43 min
